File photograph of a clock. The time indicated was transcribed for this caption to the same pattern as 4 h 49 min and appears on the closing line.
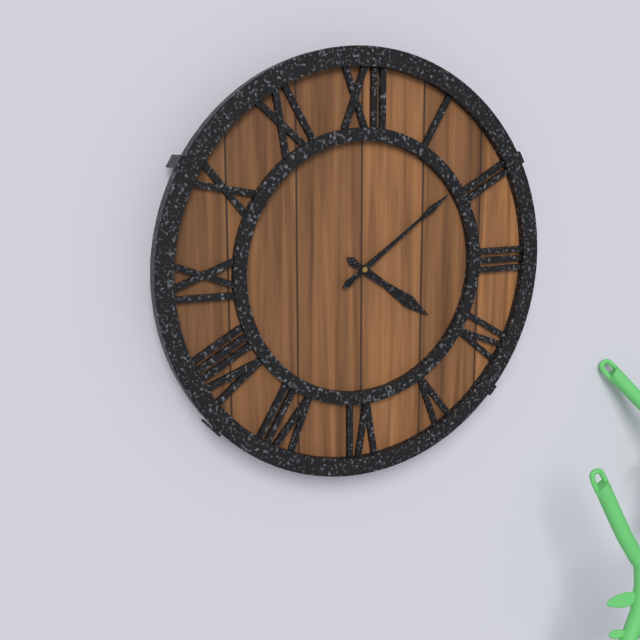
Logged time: 4 h 09 min
